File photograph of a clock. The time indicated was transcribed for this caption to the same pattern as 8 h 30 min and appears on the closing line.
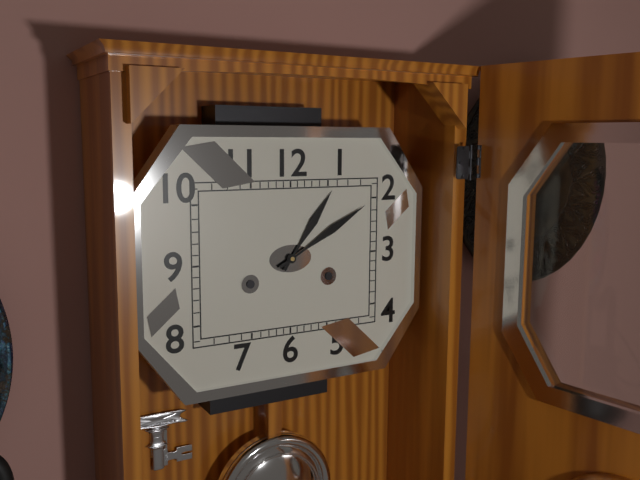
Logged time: 1 h 10 min
